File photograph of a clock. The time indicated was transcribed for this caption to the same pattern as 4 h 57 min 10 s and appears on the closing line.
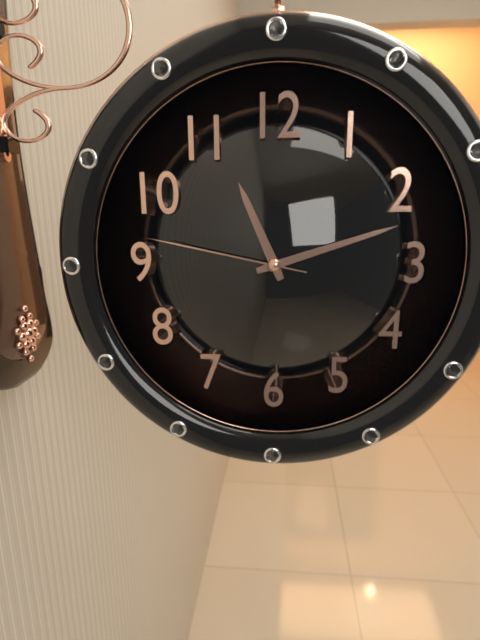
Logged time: 11 h 12 min 47 s
